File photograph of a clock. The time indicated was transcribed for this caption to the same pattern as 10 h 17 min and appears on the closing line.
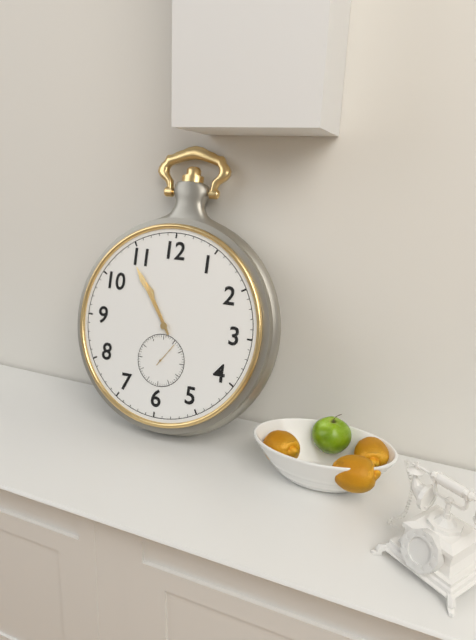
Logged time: 10 h 54 min
